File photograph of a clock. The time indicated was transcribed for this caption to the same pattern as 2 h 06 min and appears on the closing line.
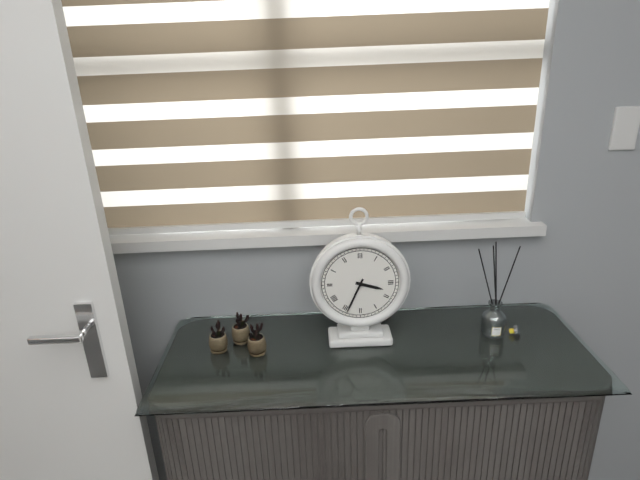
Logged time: 3 h 34 min
